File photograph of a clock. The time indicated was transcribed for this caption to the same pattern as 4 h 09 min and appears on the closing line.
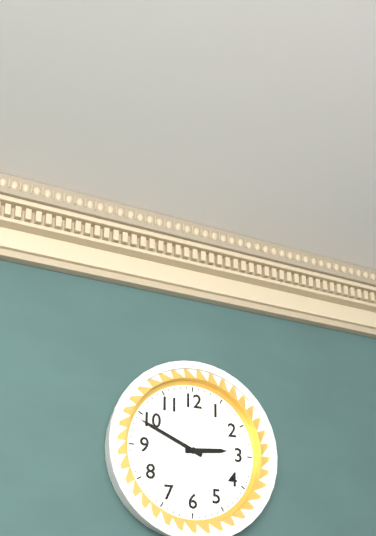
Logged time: 2 h 49 min
